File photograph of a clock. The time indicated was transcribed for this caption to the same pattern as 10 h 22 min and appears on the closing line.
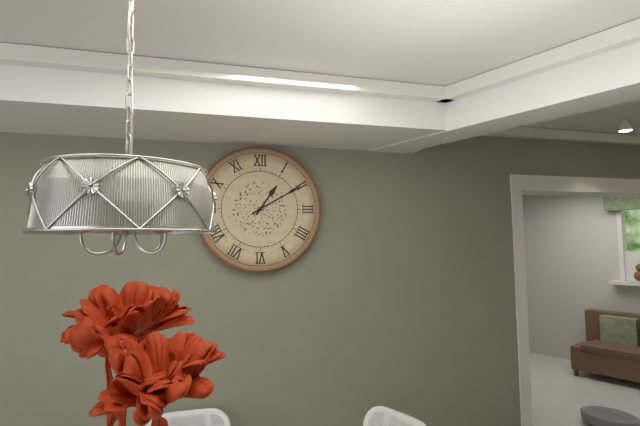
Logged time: 1 h 10 min
